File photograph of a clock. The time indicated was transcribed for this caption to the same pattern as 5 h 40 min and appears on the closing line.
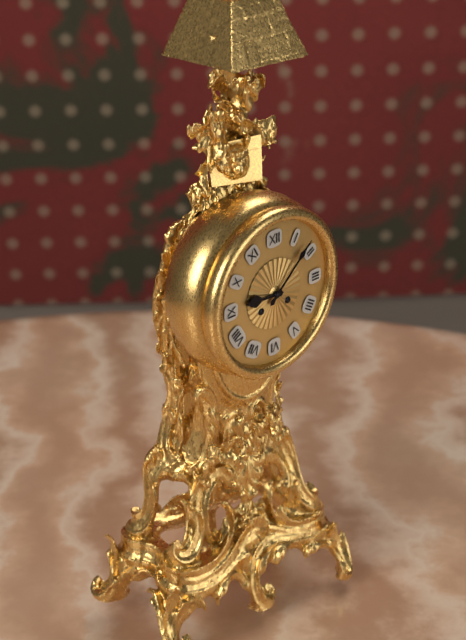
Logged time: 9 h 08 min
